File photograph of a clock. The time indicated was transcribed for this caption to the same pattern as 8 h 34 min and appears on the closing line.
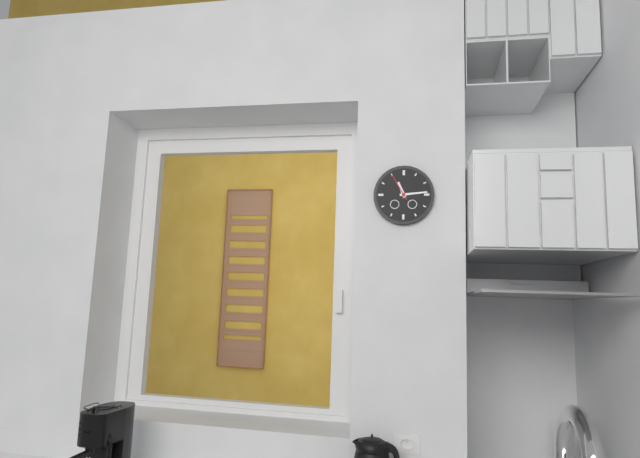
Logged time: 11 h 14 min
